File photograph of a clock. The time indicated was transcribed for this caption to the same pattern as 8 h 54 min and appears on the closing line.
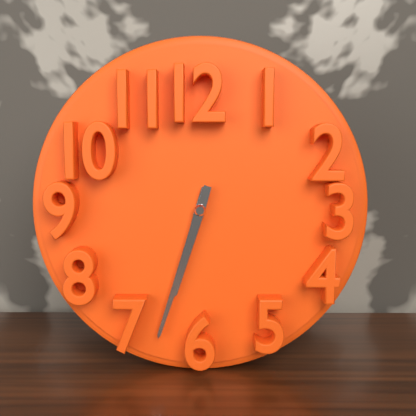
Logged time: 6 h 33 min
